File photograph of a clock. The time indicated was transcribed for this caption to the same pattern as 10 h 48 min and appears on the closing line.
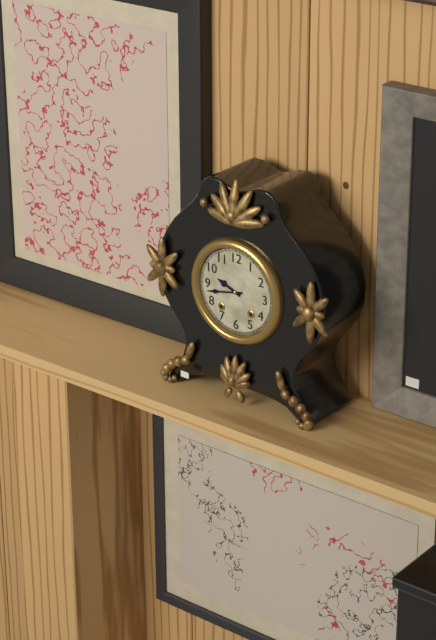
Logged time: 9 h 43 min
